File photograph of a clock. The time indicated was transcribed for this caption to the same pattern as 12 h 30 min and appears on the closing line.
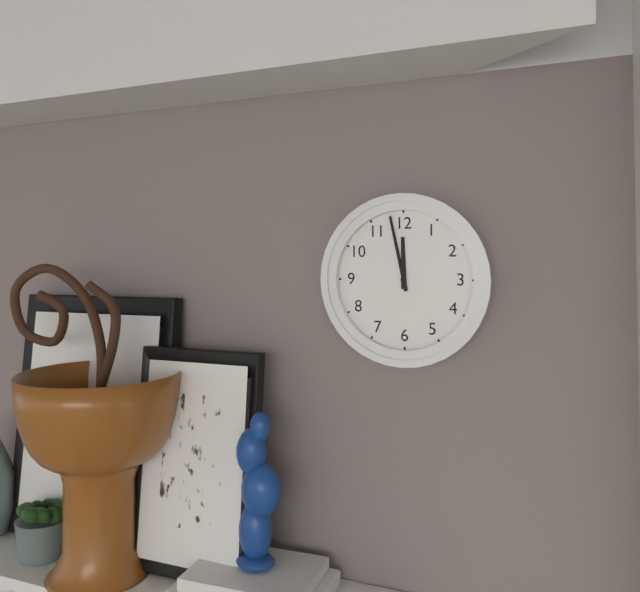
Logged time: 11 h 58 min
